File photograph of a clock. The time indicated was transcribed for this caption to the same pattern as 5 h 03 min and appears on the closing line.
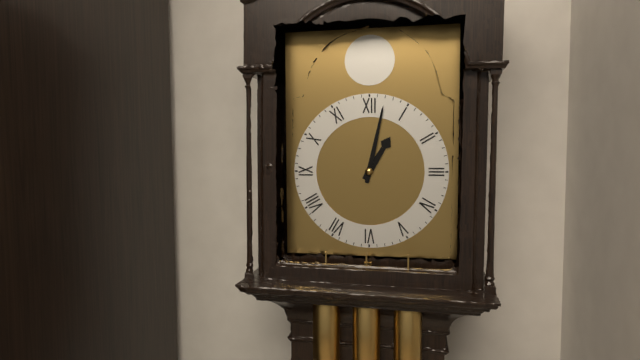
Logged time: 1 h 02 min
